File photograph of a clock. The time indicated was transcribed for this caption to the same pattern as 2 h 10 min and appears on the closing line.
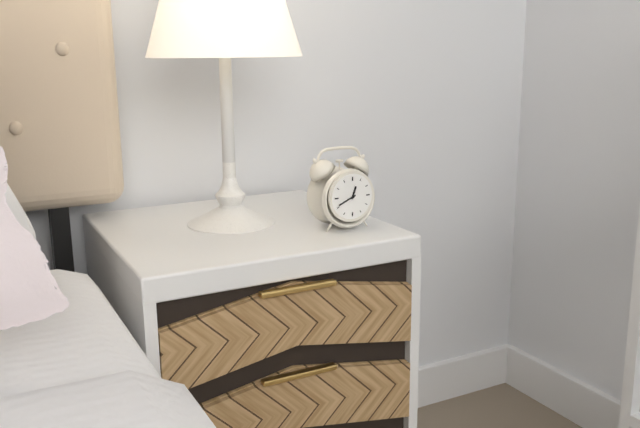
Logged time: 12 h 41 min
